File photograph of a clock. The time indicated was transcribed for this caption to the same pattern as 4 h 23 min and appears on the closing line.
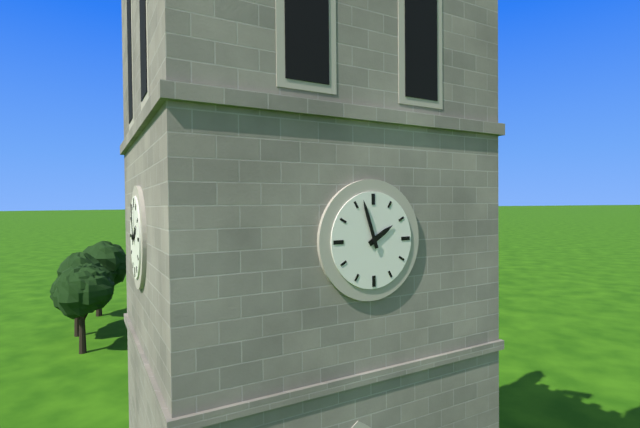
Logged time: 1 h 57 min
